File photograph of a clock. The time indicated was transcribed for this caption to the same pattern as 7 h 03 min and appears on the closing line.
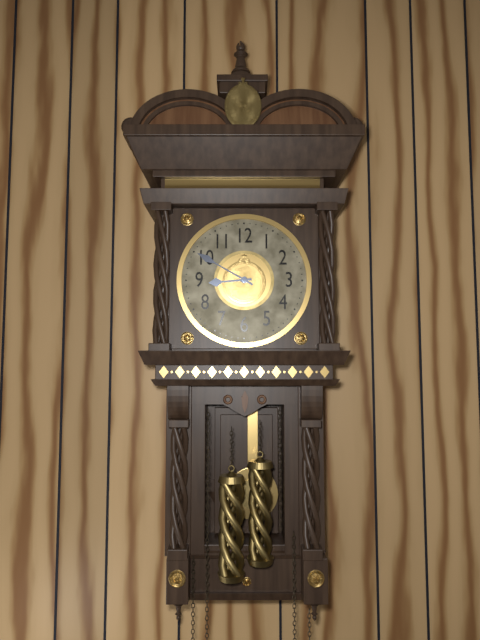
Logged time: 8 h 50 min
